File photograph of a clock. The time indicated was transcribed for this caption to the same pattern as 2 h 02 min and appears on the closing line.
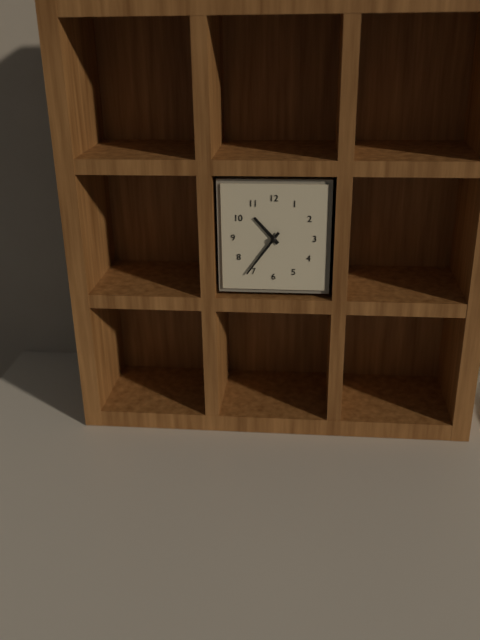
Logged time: 10 h 36 min
